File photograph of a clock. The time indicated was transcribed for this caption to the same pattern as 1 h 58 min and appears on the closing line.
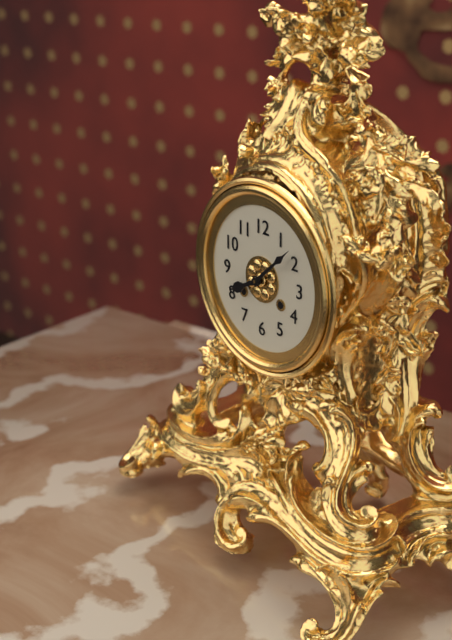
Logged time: 8 h 08 min
